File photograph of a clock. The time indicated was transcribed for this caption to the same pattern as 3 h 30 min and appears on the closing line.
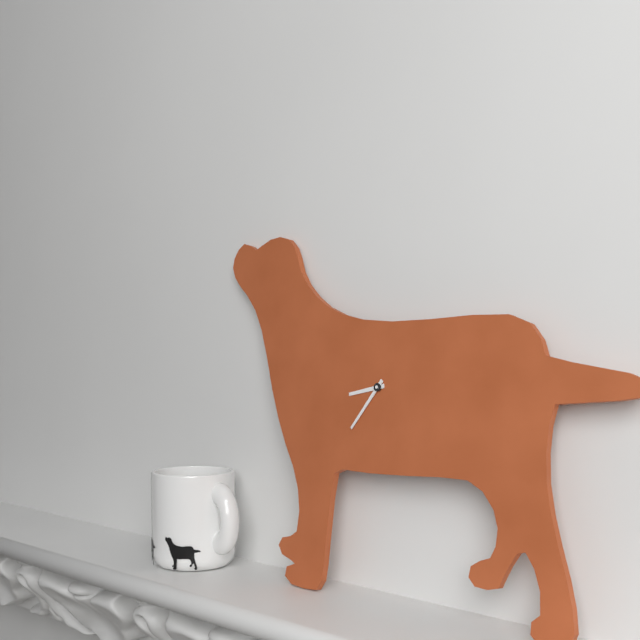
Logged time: 8 h 36 min
